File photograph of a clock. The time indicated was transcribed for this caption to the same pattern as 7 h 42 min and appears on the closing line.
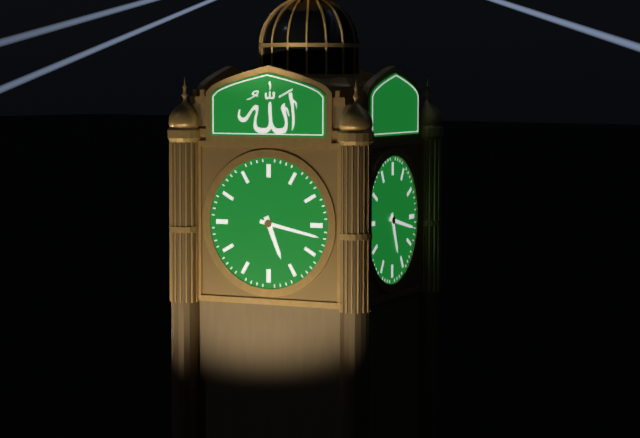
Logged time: 5 h 17 min
